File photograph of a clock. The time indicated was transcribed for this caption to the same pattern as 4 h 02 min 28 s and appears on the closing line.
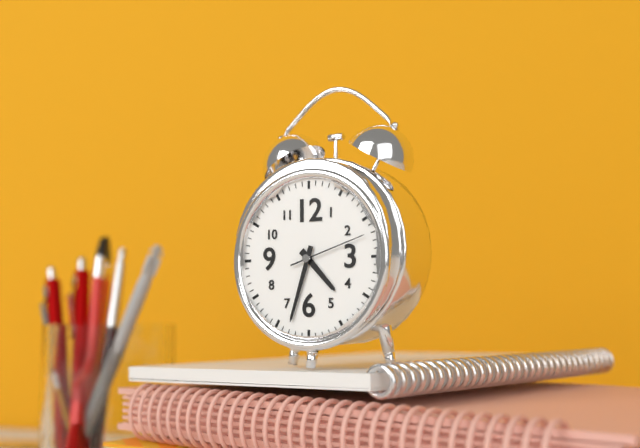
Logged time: 4 h 33 min 12 s
